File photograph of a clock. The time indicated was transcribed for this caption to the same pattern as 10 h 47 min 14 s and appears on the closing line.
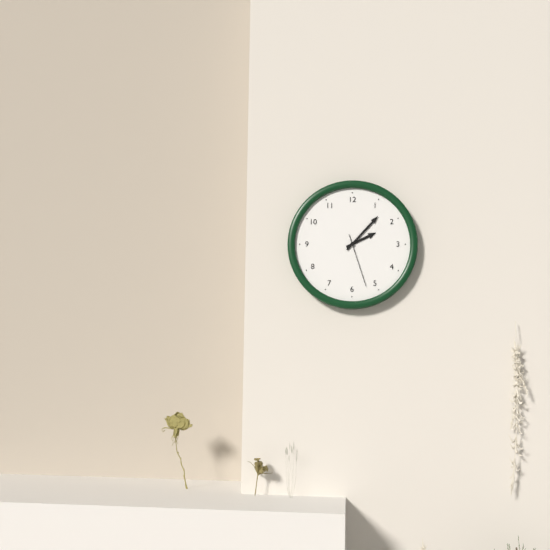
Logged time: 2 h 07 min 27 s
